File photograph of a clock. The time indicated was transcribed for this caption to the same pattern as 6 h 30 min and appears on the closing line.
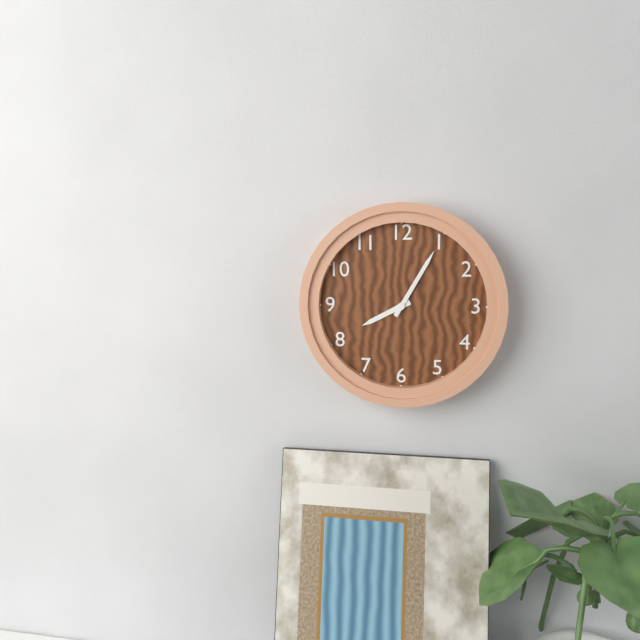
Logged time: 8 h 05 min
